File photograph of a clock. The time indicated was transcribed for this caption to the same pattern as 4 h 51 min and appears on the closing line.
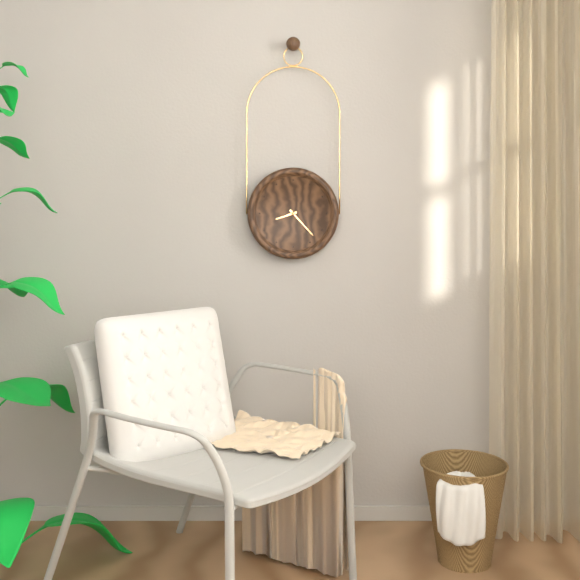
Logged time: 8 h 23 min
